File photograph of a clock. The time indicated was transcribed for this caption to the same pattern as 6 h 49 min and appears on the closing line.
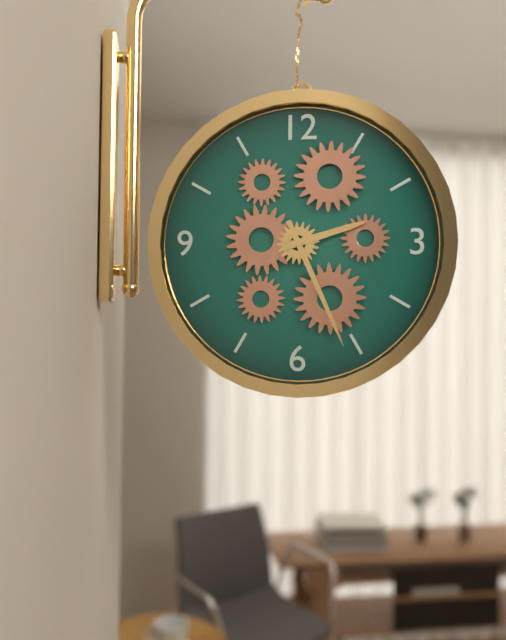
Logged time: 2 h 26 min
